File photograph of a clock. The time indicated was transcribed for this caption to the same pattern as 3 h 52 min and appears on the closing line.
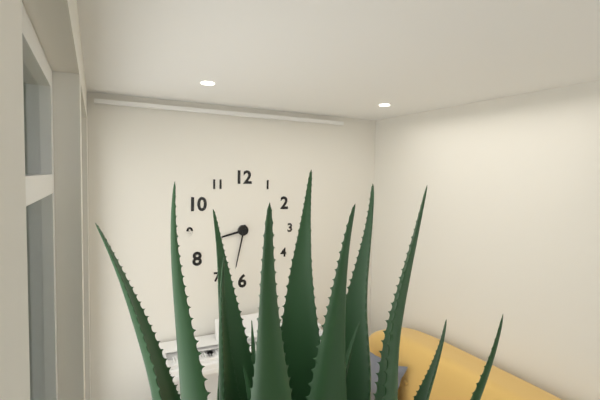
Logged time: 8 h 32 min
